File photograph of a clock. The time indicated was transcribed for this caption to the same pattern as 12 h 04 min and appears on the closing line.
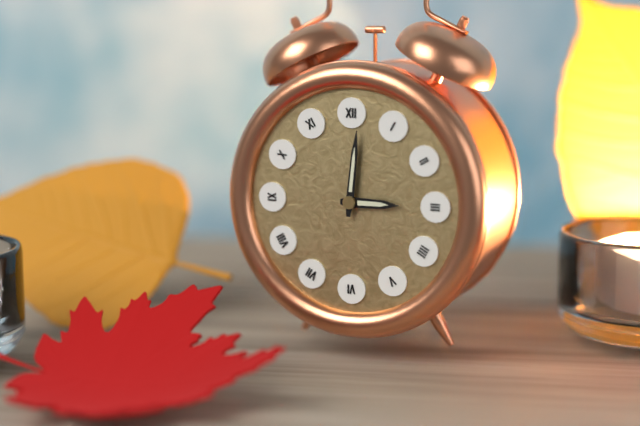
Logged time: 3 h 01 min
